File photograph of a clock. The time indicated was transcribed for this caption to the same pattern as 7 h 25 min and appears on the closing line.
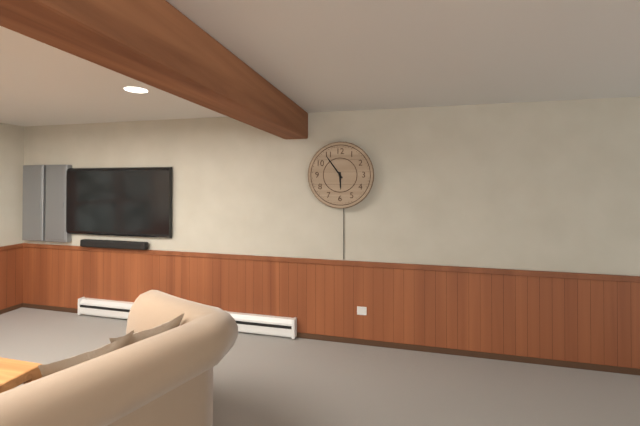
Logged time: 5 h 54 min
